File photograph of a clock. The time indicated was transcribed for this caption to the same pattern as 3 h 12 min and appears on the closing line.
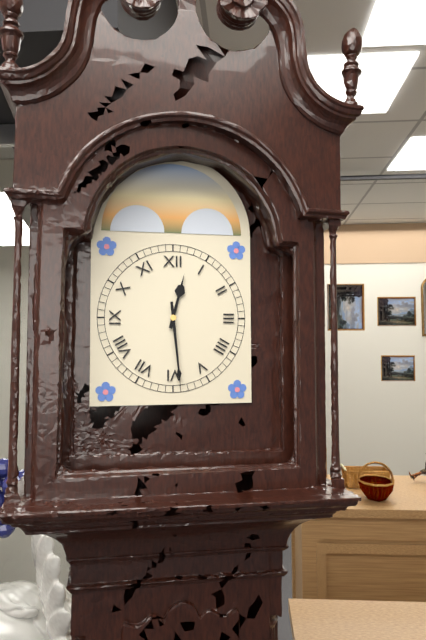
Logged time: 12 h 29 min
